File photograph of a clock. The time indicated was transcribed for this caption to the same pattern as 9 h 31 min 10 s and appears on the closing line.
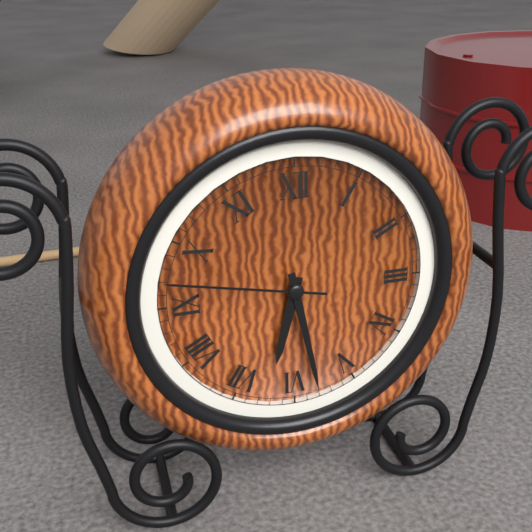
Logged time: 6 h 28 min 47 s
